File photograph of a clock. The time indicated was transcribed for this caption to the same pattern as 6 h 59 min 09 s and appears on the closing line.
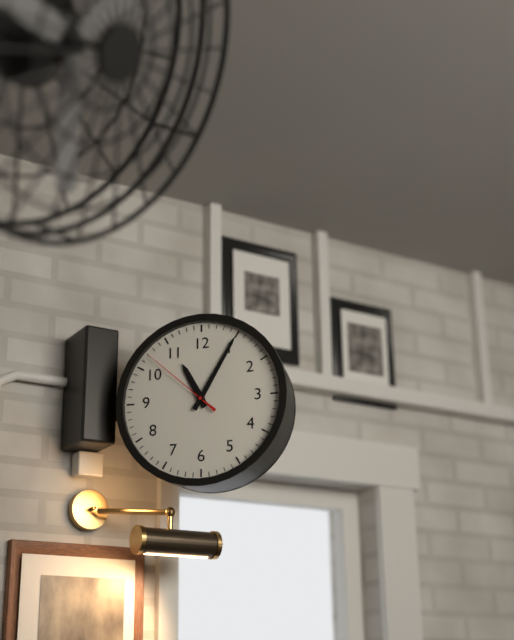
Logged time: 11 h 05 min 52 s
